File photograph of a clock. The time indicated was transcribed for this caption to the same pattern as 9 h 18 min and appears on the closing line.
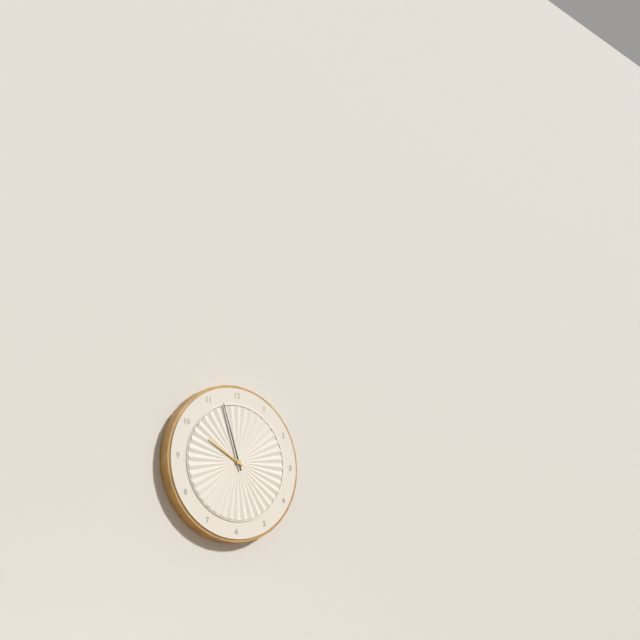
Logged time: 9 h 57 min
